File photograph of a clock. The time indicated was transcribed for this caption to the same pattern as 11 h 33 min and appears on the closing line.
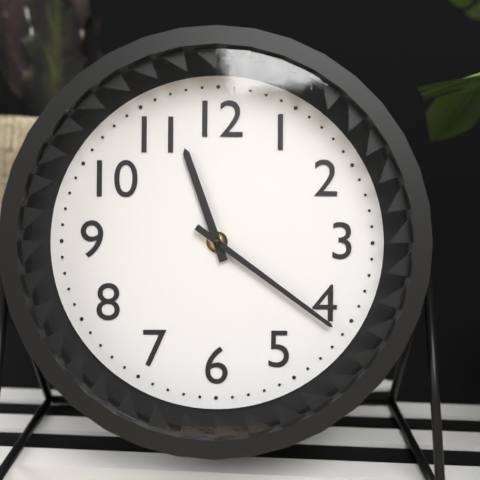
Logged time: 11 h 21 min
